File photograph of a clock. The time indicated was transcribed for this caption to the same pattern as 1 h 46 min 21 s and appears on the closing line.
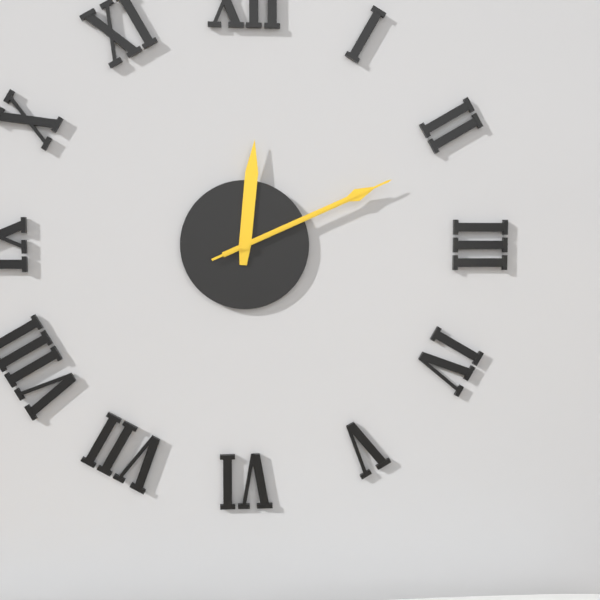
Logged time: 12 h 11 min 11 s
